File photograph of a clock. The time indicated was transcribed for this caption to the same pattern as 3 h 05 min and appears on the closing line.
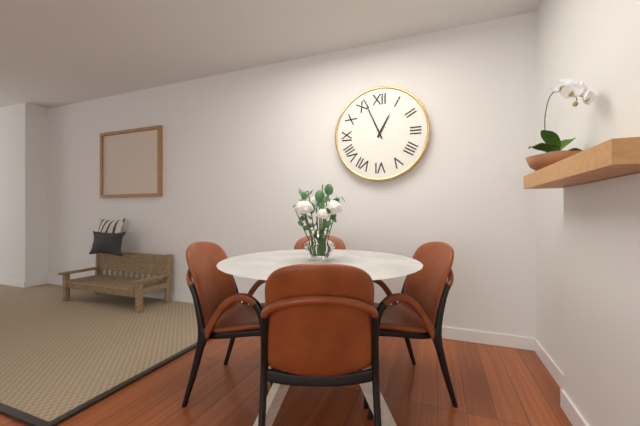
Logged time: 12 h 56 min
